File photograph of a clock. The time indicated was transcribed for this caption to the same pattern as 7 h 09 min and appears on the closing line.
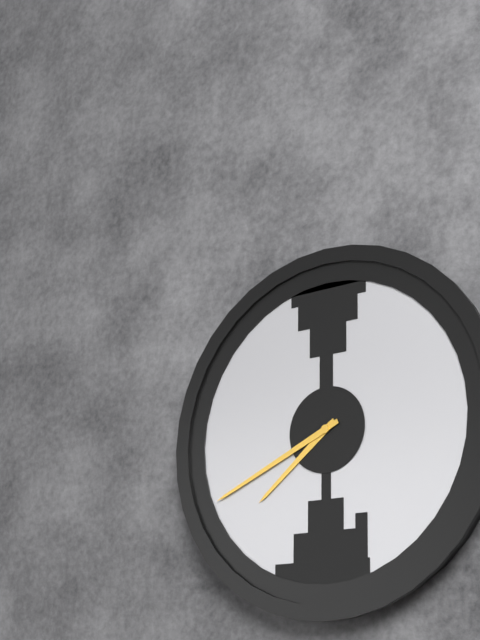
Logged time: 7 h 41 min
